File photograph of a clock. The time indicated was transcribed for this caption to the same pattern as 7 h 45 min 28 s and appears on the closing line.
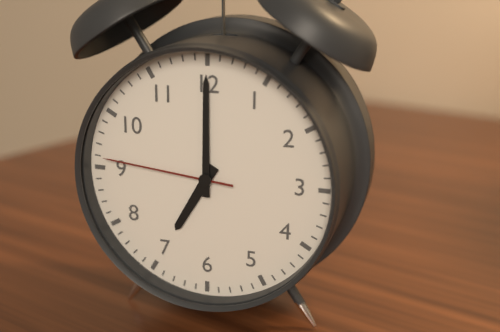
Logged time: 7 h 00 min 46 s
